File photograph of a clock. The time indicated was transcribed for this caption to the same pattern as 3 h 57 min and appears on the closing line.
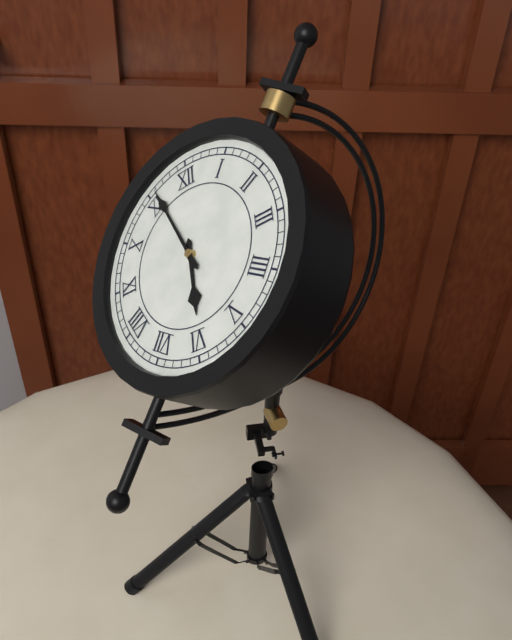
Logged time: 5 h 56 min
